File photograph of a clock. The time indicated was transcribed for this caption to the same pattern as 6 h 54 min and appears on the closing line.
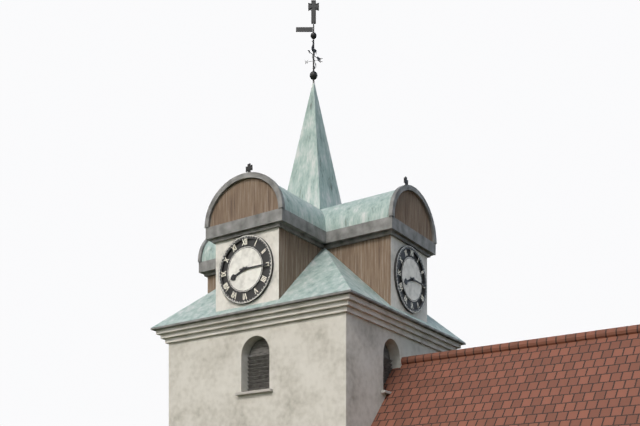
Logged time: 8 h 15 min
